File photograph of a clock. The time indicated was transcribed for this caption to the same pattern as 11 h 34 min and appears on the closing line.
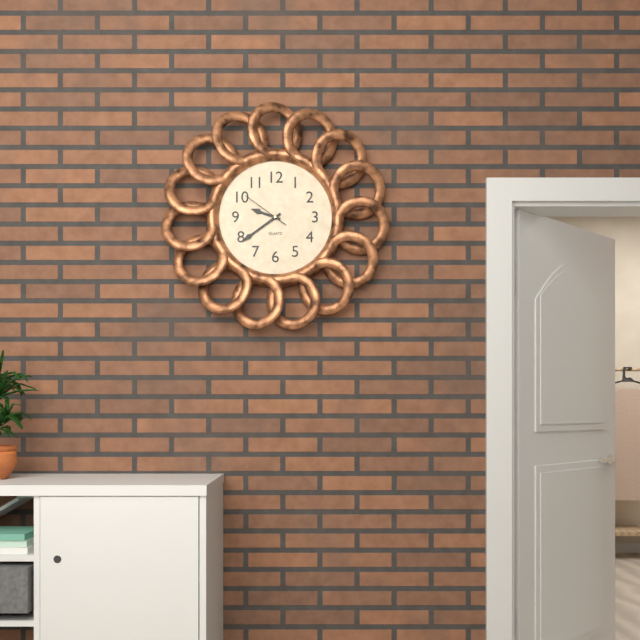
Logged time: 9 h 39 min
